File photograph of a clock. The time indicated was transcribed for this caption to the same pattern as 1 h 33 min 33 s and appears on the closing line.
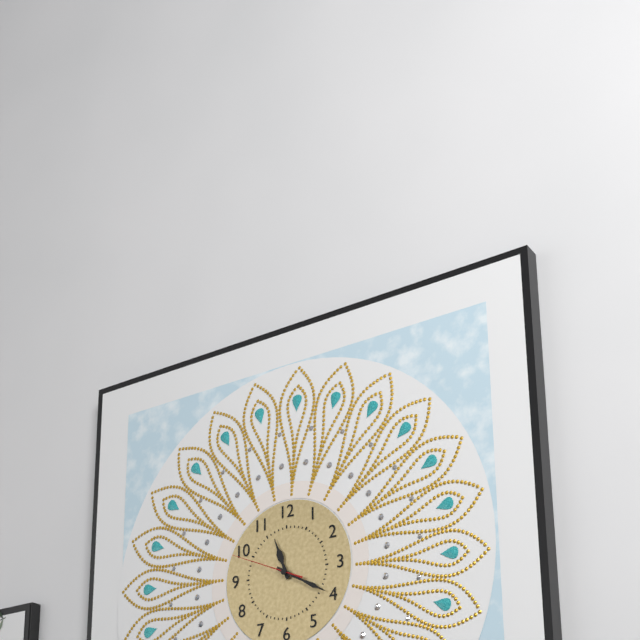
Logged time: 11 h 20 min 49 s
